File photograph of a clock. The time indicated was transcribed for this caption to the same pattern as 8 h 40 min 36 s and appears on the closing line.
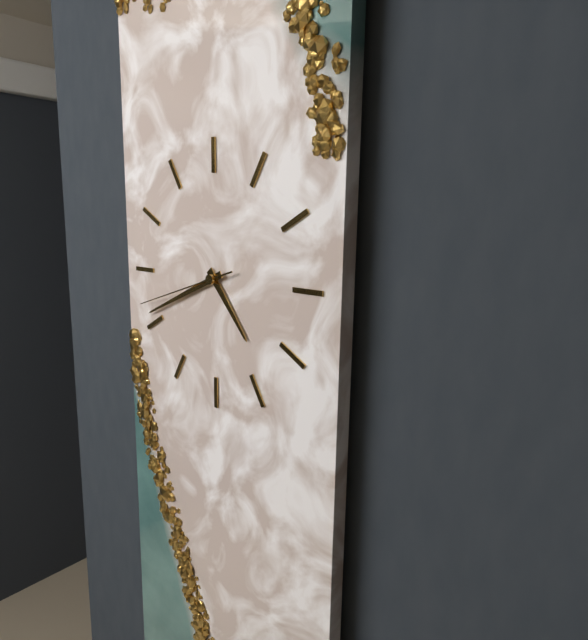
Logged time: 4 h 41 min 42 s
